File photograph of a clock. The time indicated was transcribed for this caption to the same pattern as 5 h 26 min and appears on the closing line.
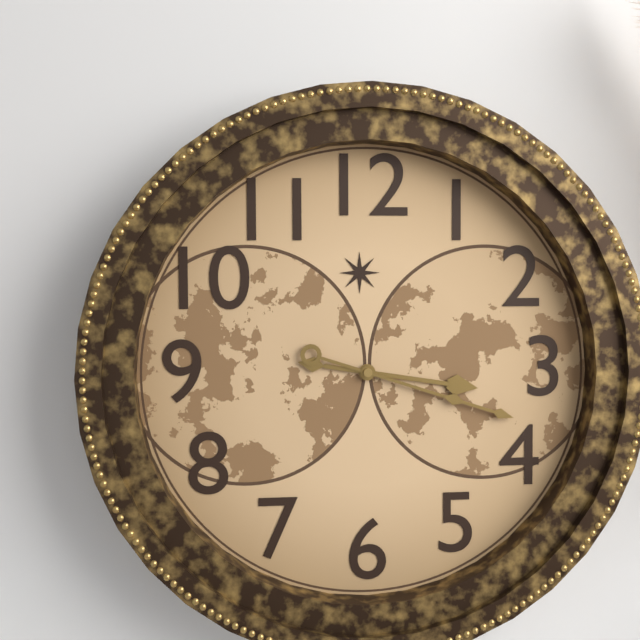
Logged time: 3 h 18 min
